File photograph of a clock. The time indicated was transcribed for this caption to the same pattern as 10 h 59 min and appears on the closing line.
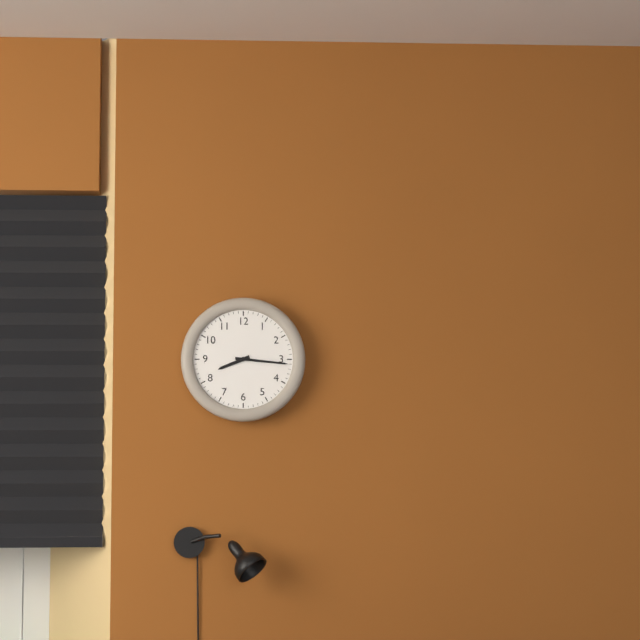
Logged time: 8 h 16 min
